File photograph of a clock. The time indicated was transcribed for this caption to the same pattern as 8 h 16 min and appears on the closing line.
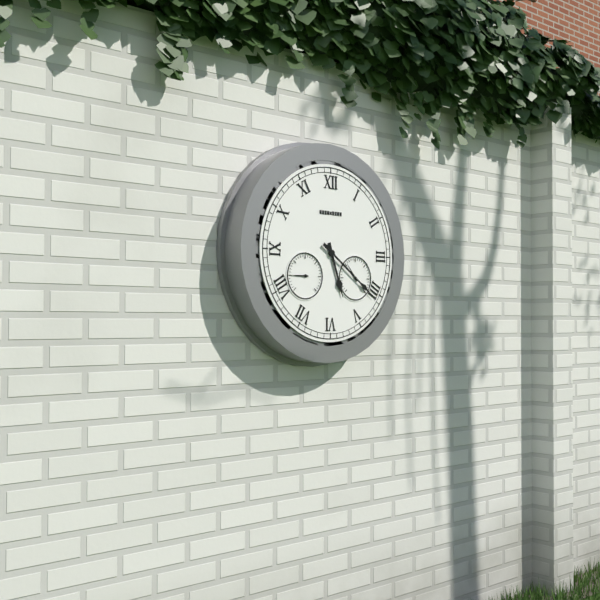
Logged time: 5 h 21 min
